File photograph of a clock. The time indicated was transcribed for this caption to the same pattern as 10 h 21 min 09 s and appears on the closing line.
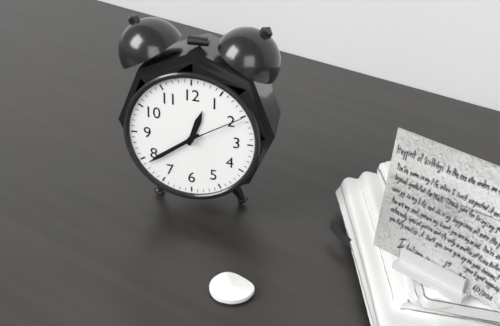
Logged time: 12 h 39 min 10 s
